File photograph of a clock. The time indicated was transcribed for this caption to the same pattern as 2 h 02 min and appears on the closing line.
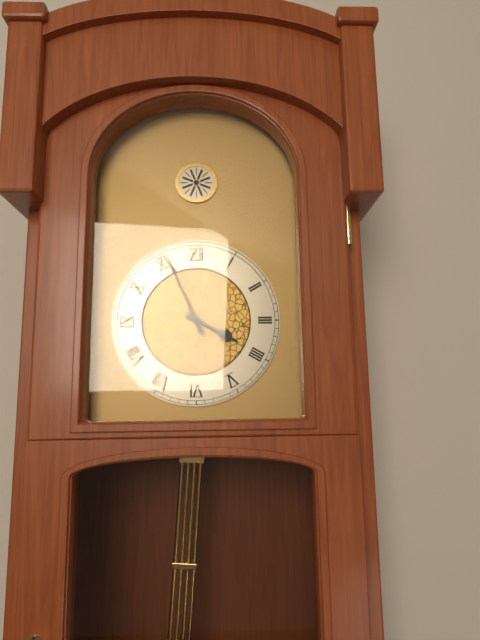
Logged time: 3 h 56 min
